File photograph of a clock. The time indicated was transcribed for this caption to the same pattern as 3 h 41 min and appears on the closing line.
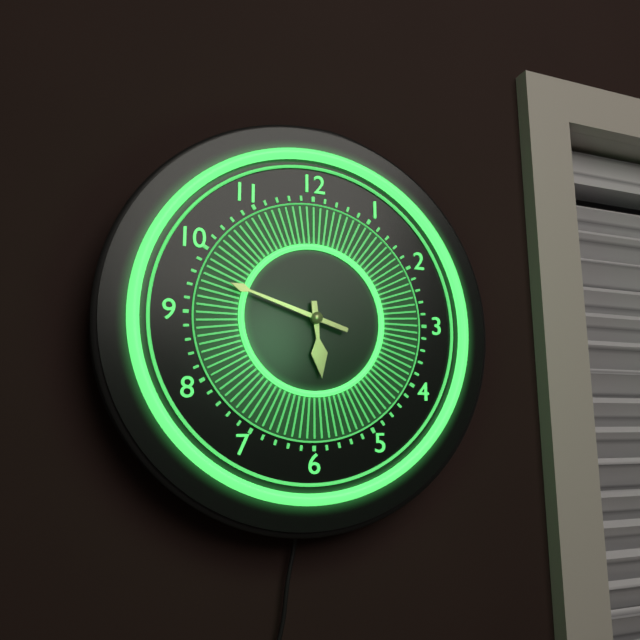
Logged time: 5 h 48 min
